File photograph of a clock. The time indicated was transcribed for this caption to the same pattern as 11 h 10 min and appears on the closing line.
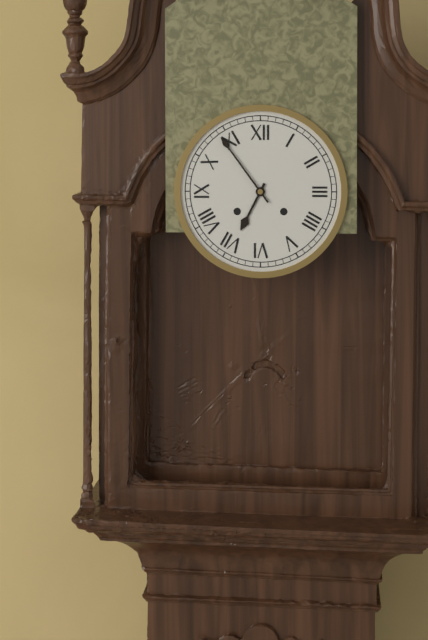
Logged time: 6 h 54 min
